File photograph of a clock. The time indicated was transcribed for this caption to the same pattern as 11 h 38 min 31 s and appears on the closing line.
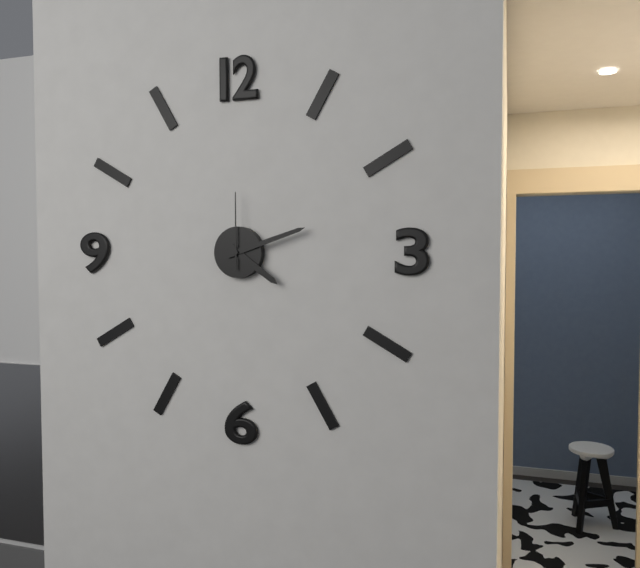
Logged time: 4 h 12 min 00 s
